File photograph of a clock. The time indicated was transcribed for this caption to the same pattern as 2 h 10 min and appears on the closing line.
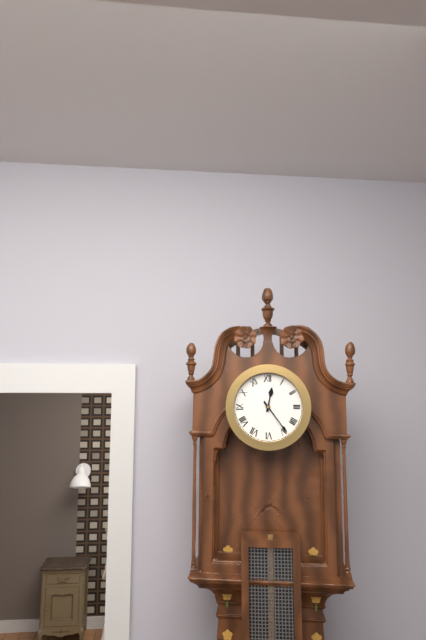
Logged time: 12 h 24 min
